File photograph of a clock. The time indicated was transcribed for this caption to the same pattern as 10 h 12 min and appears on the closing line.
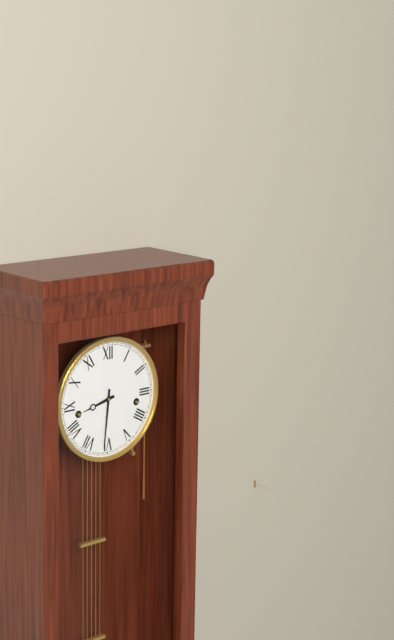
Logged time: 8 h 31 min
